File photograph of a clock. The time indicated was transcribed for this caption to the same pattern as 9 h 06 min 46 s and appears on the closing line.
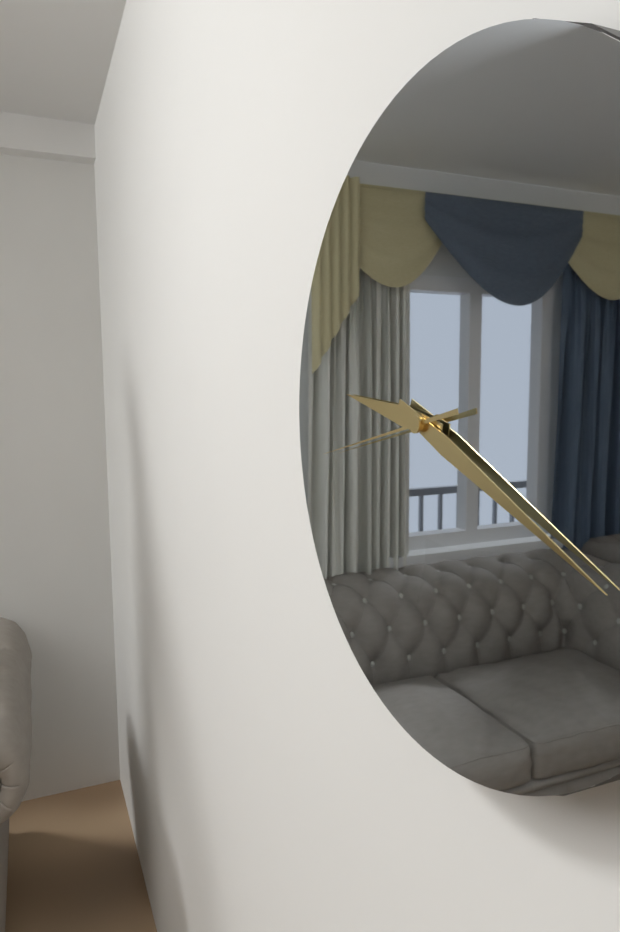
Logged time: 9 h 19 min 43 s
